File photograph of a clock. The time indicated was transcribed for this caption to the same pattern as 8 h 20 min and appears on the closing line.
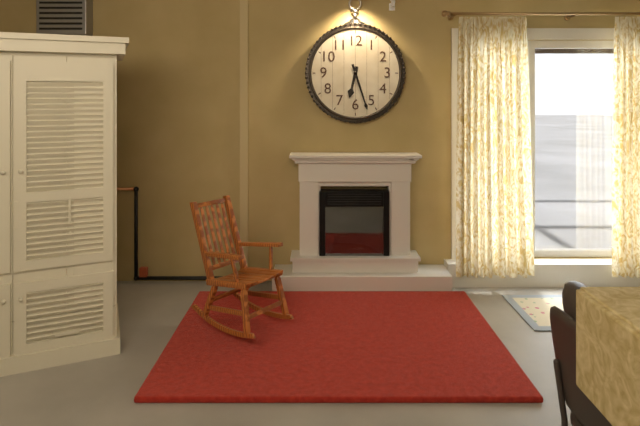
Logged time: 6 h 27 min
